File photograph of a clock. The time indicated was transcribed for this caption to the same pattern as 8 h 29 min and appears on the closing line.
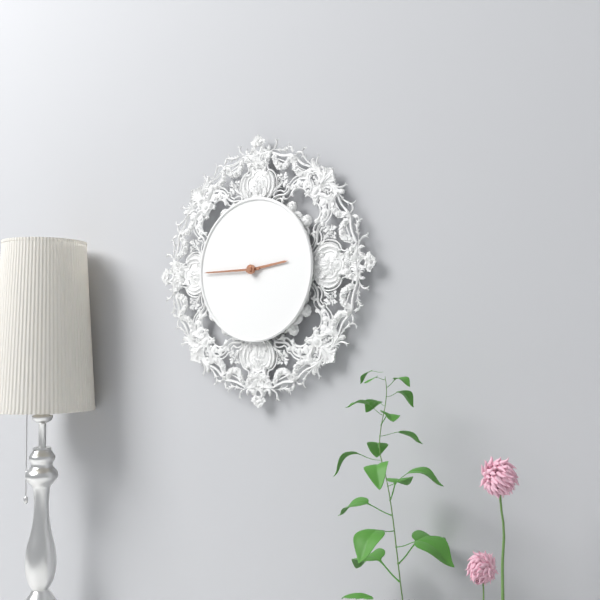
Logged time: 2 h 45 min
